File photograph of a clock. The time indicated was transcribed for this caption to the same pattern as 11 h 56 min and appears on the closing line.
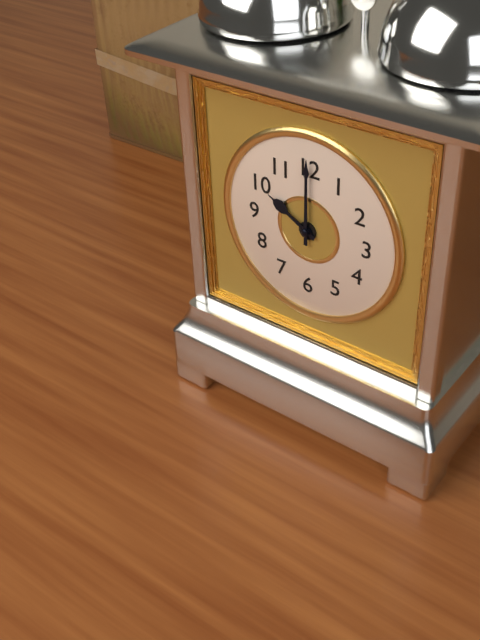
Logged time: 10 h 00 min
